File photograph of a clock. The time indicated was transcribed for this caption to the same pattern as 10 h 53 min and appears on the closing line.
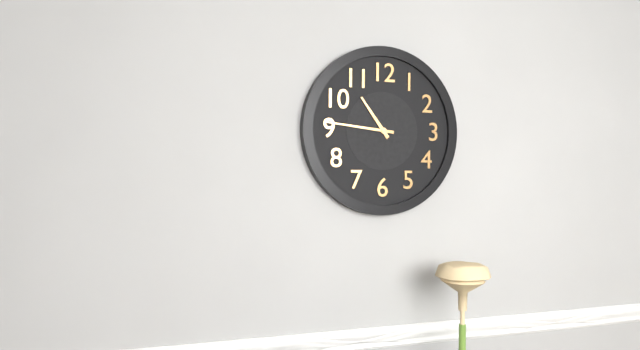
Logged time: 10 h 46 min
